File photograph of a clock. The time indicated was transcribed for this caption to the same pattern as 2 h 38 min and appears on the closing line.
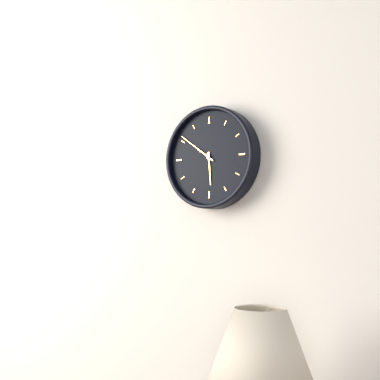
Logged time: 5 h 51 min
